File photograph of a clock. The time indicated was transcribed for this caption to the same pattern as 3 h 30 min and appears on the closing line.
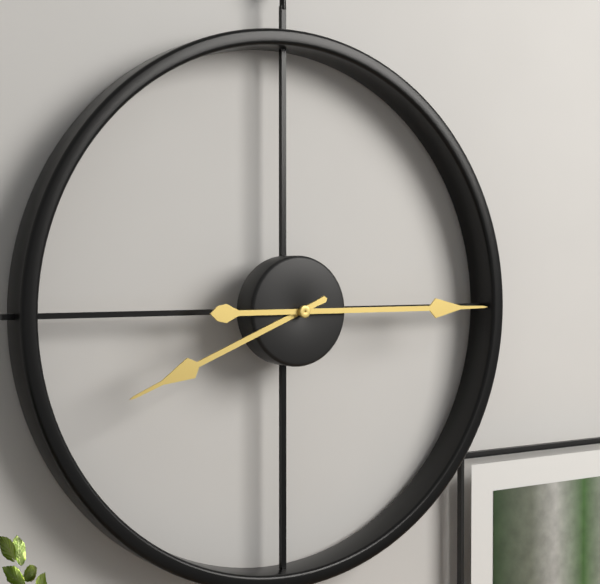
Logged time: 8 h 15 min
